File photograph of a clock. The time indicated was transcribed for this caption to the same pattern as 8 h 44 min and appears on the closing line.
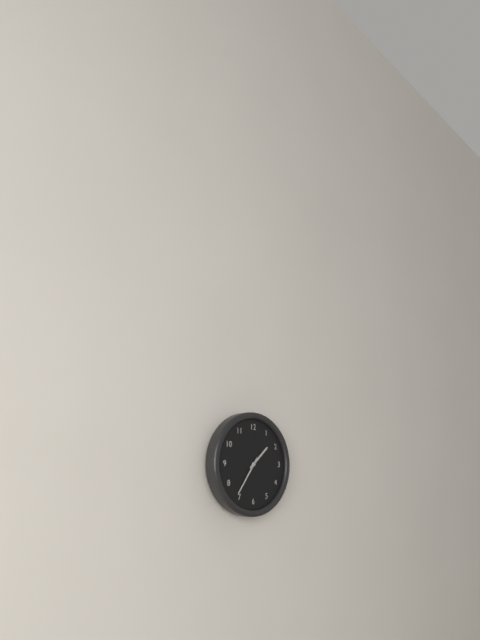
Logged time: 1 h 36 min
